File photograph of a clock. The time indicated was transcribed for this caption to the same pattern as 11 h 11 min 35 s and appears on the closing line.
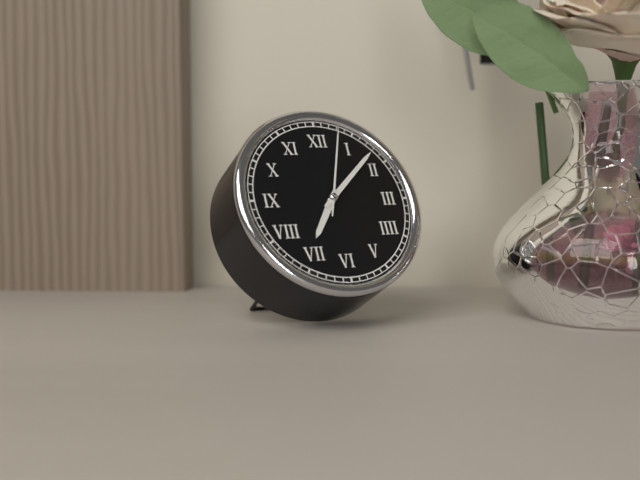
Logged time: 7 h 08 min 03 s
